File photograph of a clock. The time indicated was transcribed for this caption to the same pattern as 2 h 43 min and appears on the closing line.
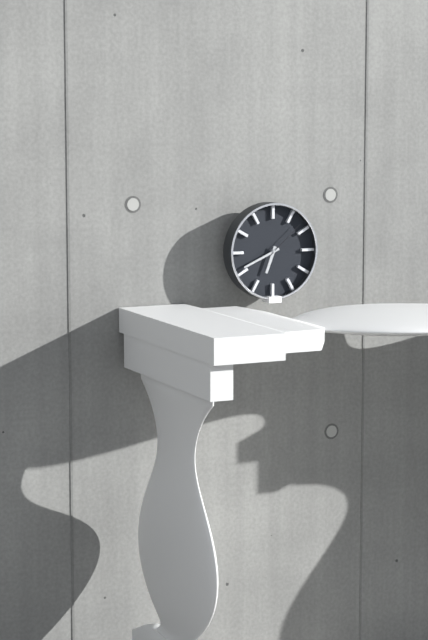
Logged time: 6 h 41 min
